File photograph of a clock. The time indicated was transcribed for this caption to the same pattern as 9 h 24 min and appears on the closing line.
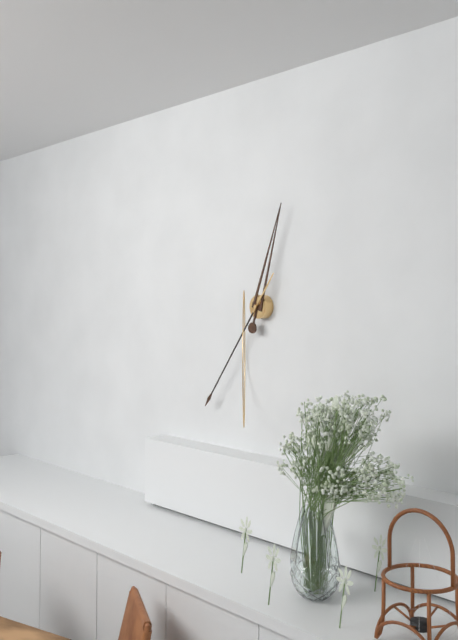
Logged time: 12 h 36 min
